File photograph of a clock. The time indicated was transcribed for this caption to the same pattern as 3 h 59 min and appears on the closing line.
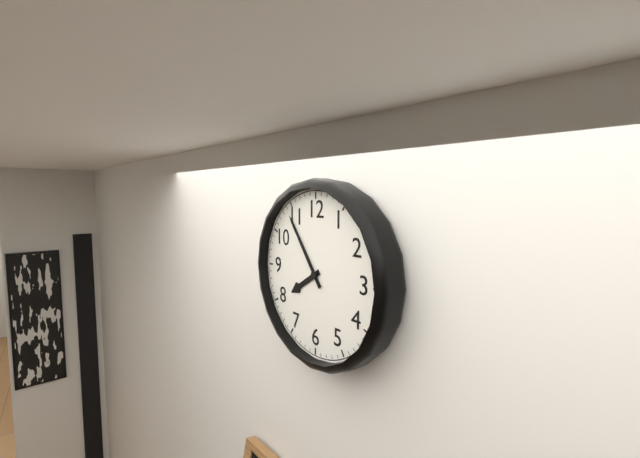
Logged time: 7 h 54 min
